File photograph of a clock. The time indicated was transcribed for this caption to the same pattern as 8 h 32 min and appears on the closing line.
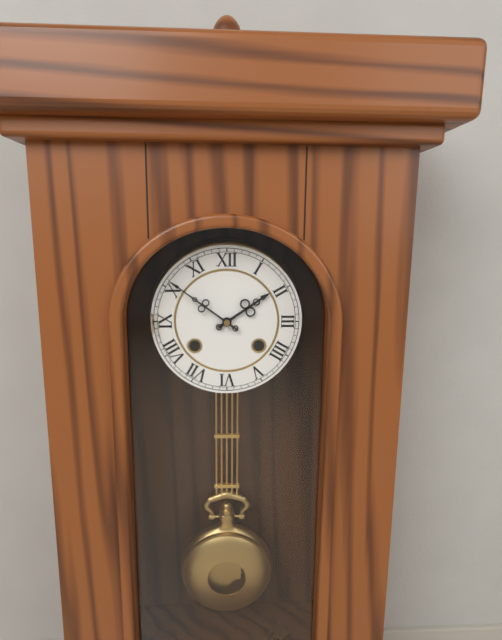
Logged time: 1 h 51 min
